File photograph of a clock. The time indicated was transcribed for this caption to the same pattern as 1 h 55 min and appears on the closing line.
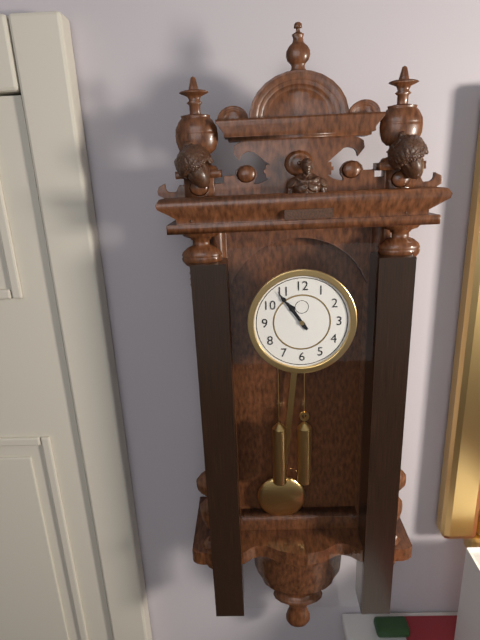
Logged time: 10 h 54 min
